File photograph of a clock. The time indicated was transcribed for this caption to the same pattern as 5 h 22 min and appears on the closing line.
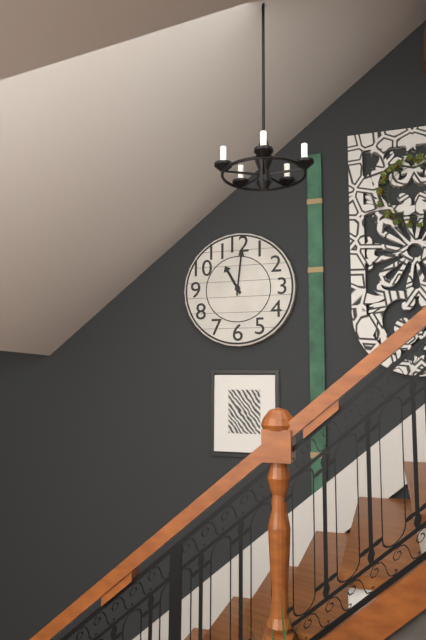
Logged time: 11 h 01 min
